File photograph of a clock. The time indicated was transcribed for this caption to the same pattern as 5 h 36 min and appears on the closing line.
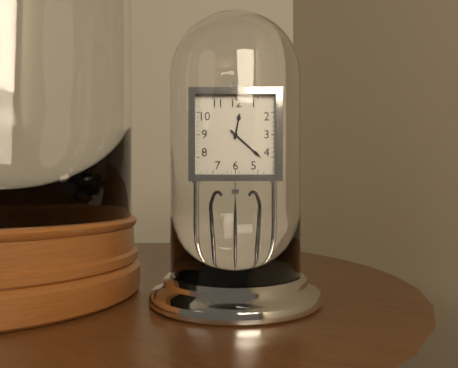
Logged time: 12 h 22 min
